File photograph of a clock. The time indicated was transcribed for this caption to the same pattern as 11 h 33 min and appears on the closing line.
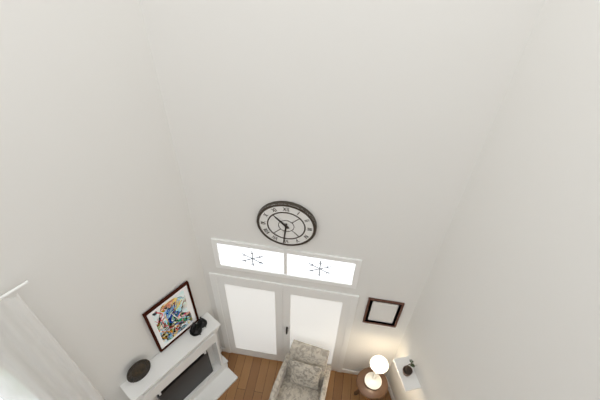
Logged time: 10 h 31 min
